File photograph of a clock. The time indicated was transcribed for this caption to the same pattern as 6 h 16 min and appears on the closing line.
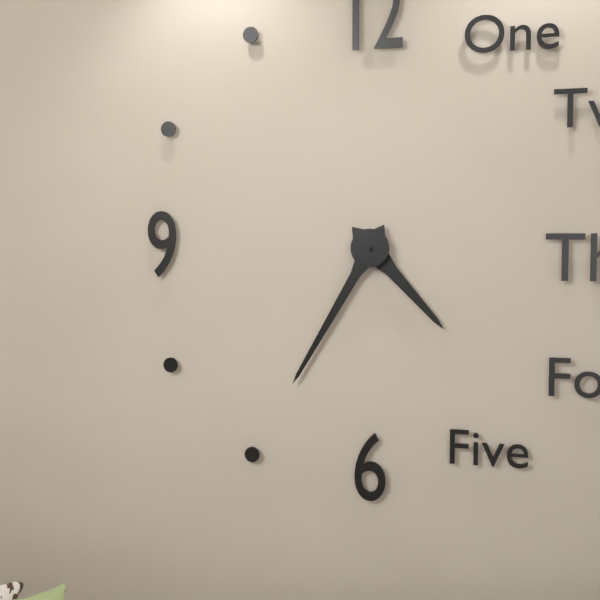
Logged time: 4 h 35 min
